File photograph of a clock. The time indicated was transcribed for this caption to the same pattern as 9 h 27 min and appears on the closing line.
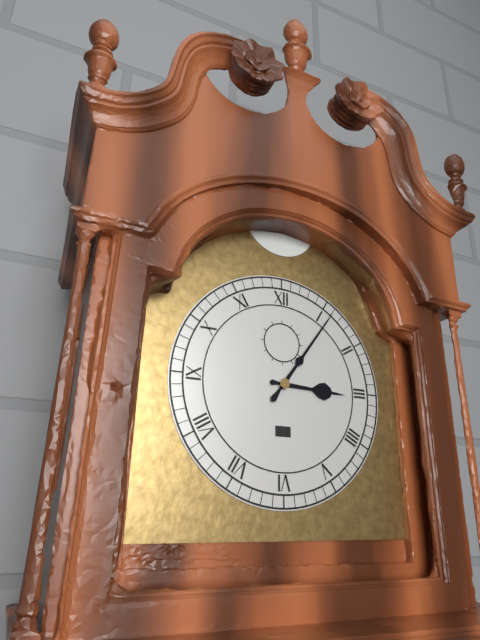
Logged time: 3 h 06 min
